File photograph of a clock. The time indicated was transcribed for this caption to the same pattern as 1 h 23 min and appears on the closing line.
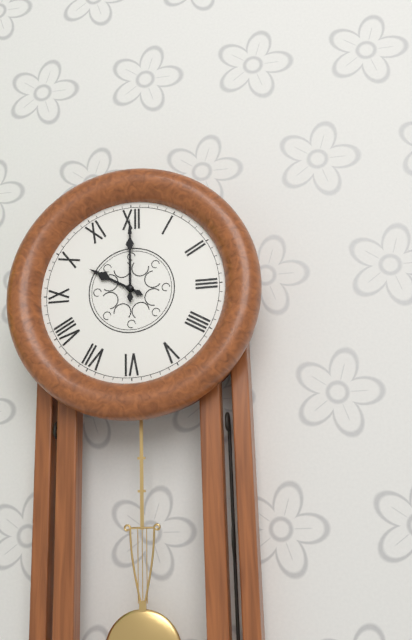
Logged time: 10 h 00 min
